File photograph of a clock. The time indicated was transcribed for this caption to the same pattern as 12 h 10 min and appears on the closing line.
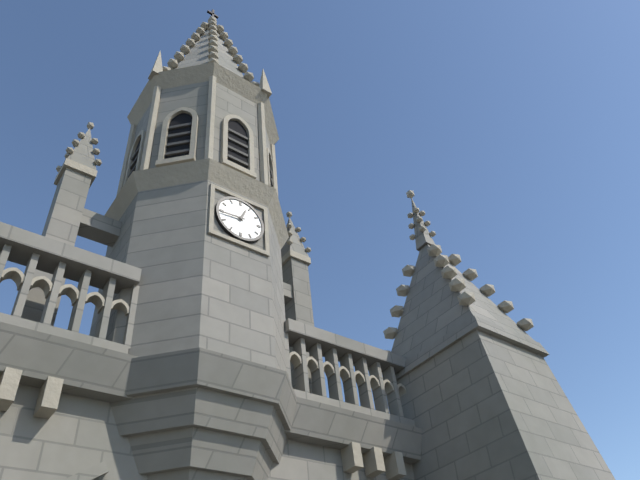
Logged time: 12 h 44 min
